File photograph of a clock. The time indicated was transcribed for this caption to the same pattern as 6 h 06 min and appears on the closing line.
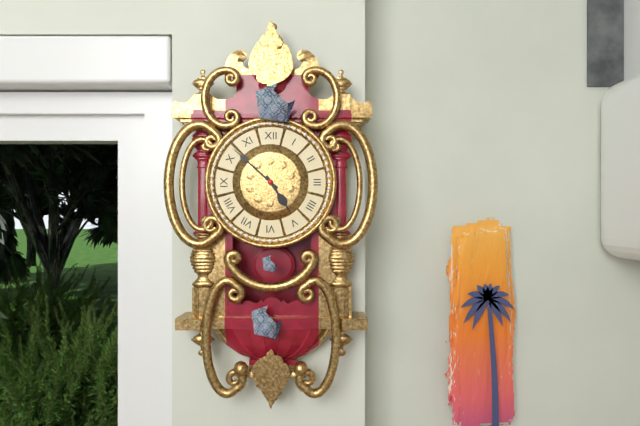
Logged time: 4 h 52 min
